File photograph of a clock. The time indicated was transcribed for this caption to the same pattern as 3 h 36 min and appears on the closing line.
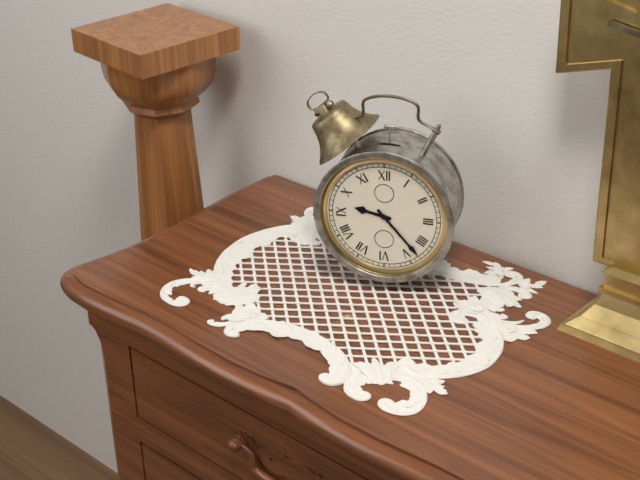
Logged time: 9 h 23 min
